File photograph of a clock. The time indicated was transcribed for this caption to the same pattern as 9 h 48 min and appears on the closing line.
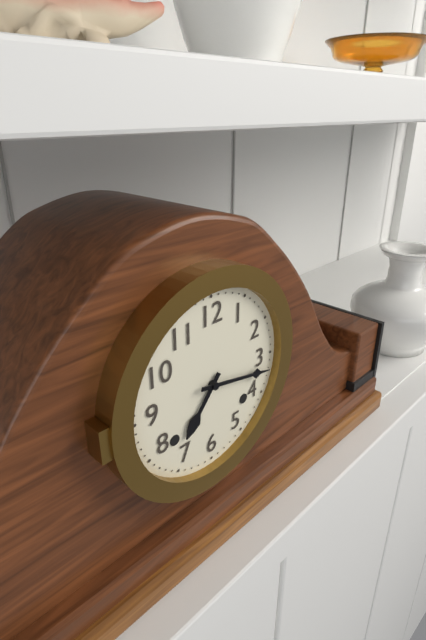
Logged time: 7 h 17 min
